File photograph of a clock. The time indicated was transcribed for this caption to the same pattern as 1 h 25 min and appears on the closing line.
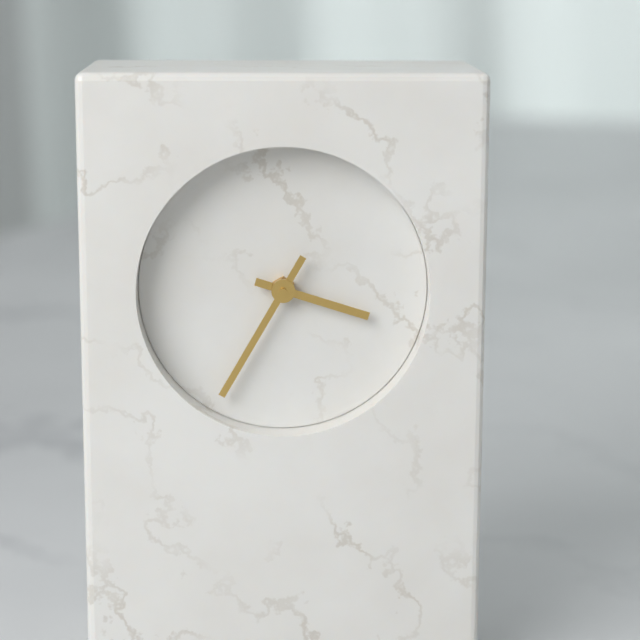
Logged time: 3 h 35 min
